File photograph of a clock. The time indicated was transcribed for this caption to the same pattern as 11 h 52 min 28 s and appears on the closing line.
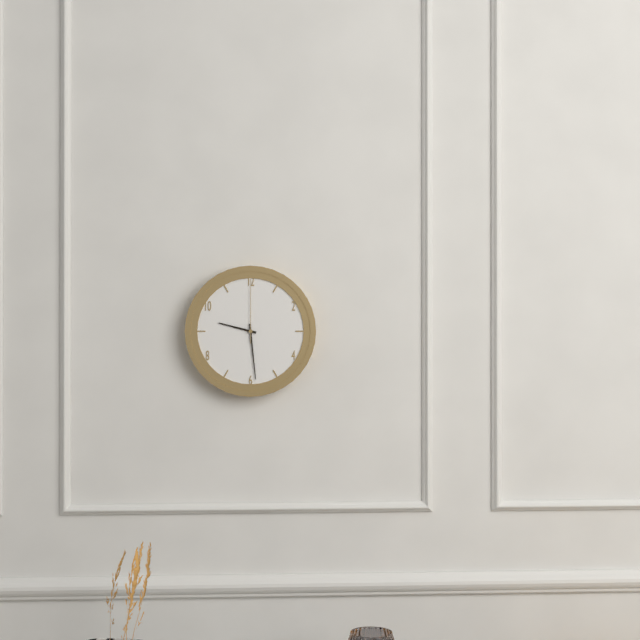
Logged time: 9 h 29 min 00 s
